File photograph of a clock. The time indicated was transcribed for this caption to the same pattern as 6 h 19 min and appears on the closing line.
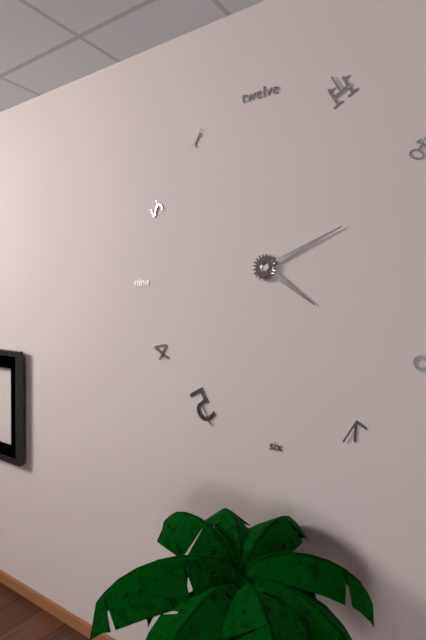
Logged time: 4 h 11 min
